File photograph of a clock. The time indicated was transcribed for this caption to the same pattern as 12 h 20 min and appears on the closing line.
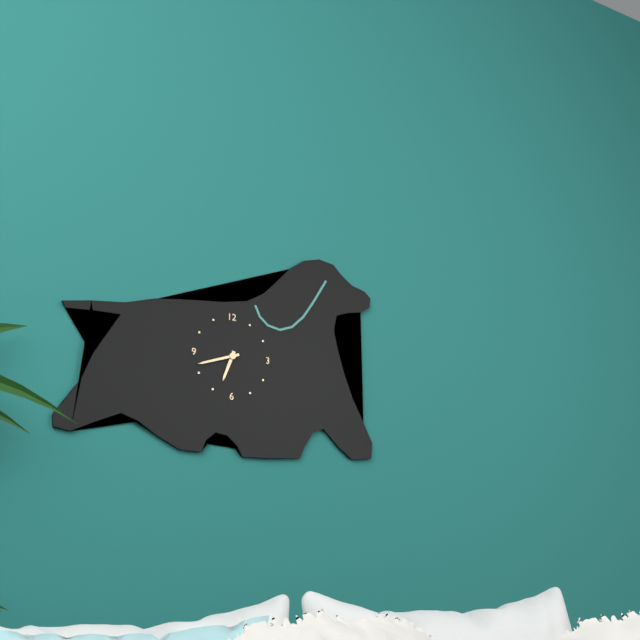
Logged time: 6 h 42 min
